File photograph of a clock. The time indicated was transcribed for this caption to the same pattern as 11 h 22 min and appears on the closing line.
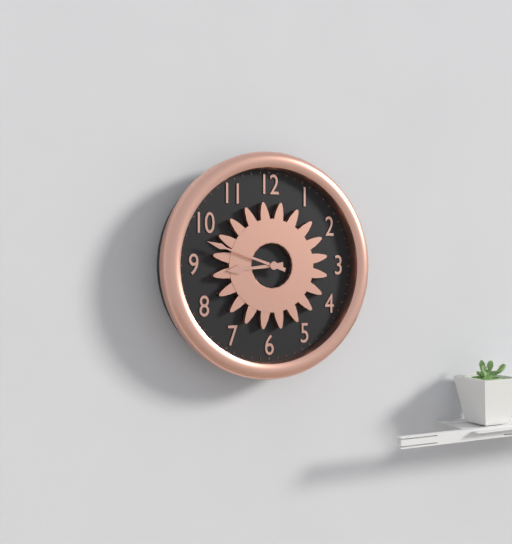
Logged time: 8 h 48 min
